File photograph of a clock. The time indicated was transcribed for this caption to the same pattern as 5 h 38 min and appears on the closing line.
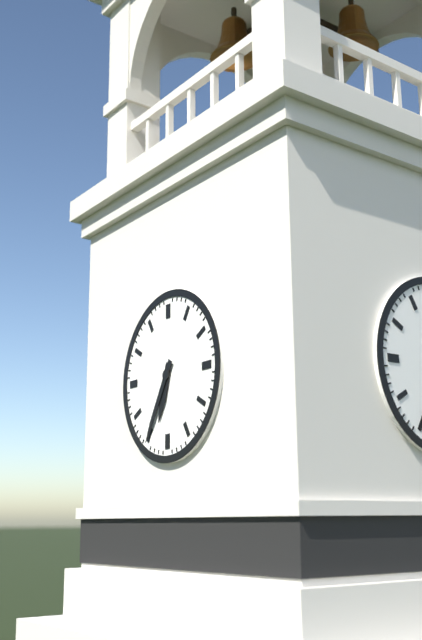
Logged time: 6 h 35 min
